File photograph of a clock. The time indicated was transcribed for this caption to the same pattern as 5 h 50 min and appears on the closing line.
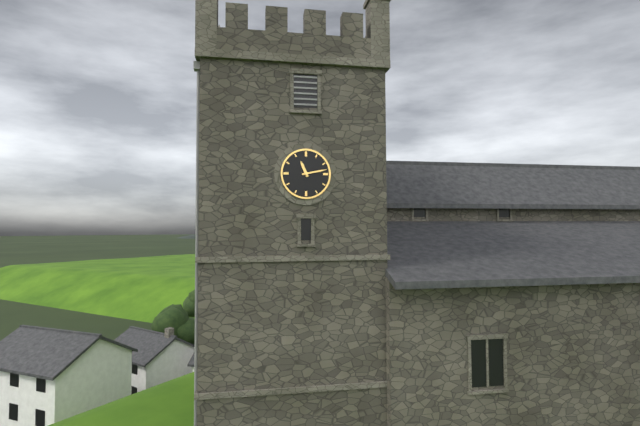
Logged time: 11 h 13 min
